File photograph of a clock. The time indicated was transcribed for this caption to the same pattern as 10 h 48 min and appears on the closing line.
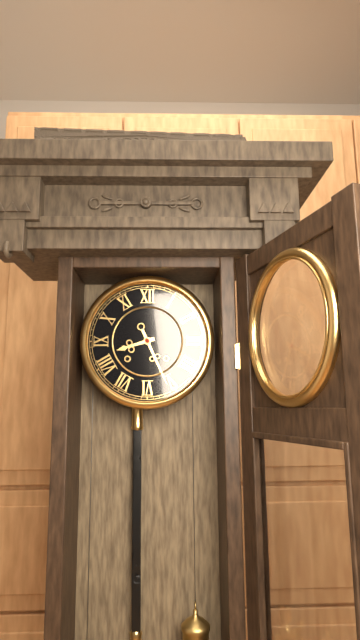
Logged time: 8 h 26 min
